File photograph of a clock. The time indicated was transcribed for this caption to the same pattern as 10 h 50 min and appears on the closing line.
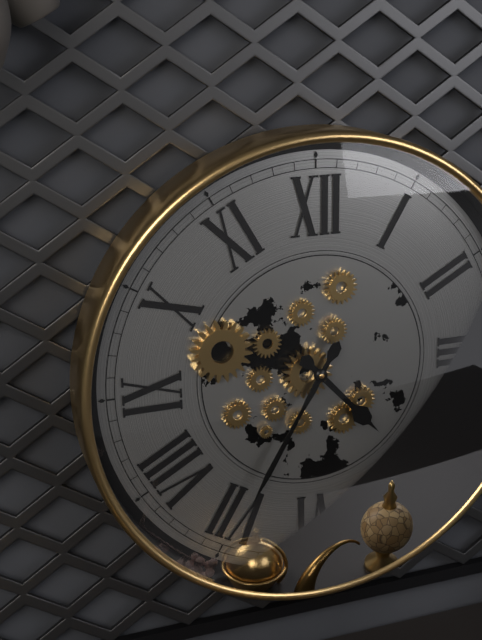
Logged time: 4 h 35 min
